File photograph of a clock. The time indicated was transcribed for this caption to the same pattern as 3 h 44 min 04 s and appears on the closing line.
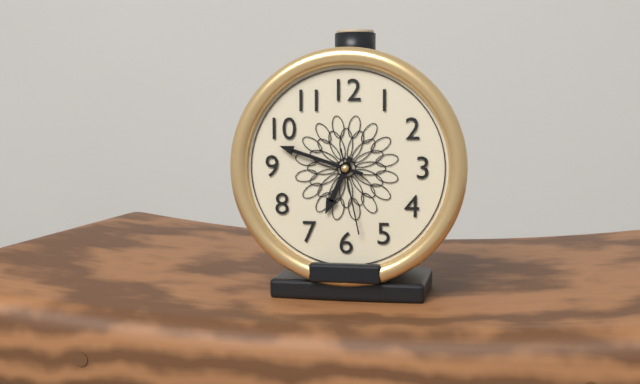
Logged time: 6 h 48 min 28 s
